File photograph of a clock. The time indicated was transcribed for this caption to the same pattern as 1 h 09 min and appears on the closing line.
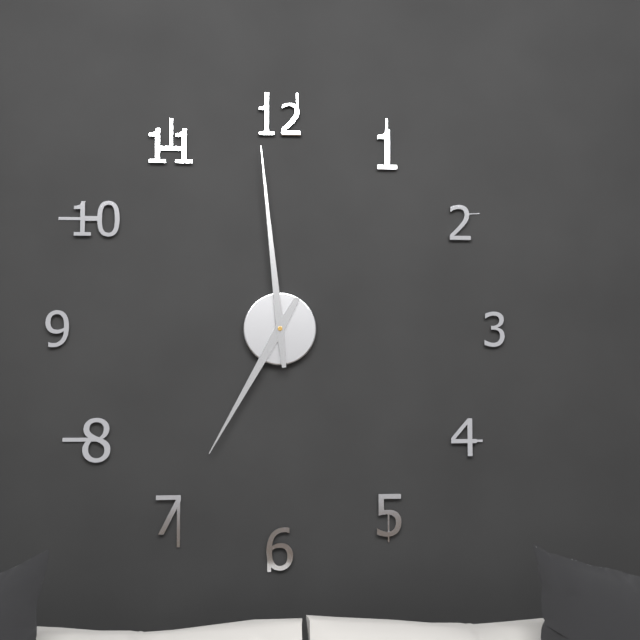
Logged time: 6 h 59 min
